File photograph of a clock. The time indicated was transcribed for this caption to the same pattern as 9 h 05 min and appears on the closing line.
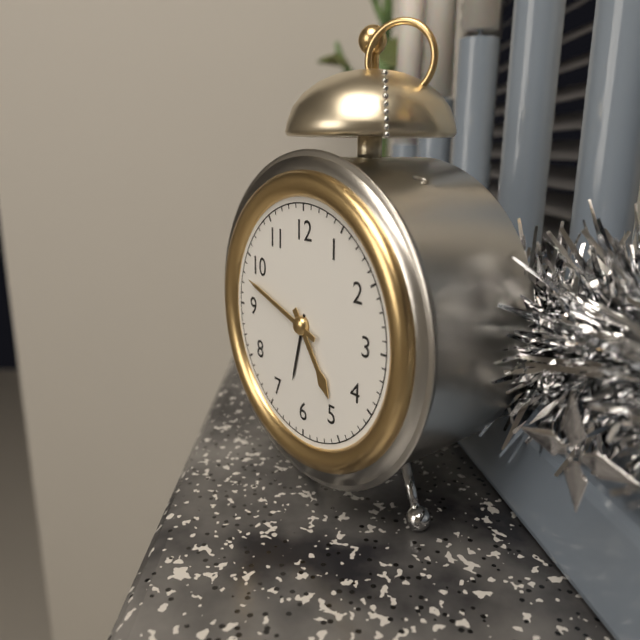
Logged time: 4 h 48 min
